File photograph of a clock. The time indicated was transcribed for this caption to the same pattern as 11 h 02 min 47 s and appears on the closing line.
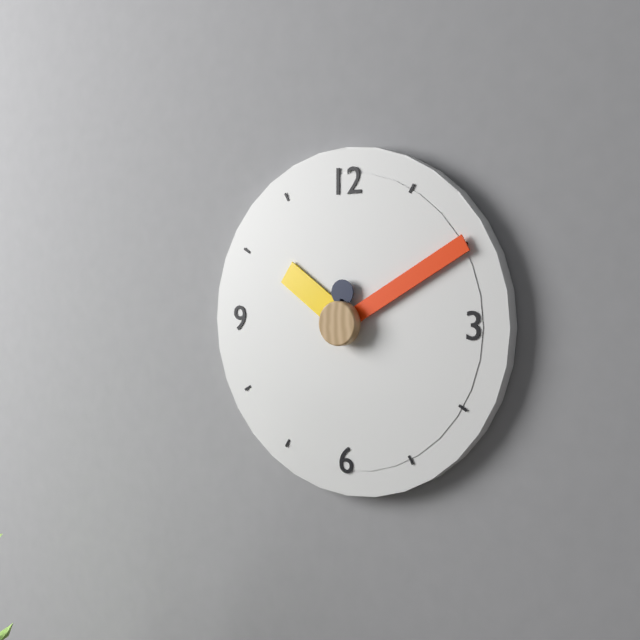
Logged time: 10 h 10 min 00 s
